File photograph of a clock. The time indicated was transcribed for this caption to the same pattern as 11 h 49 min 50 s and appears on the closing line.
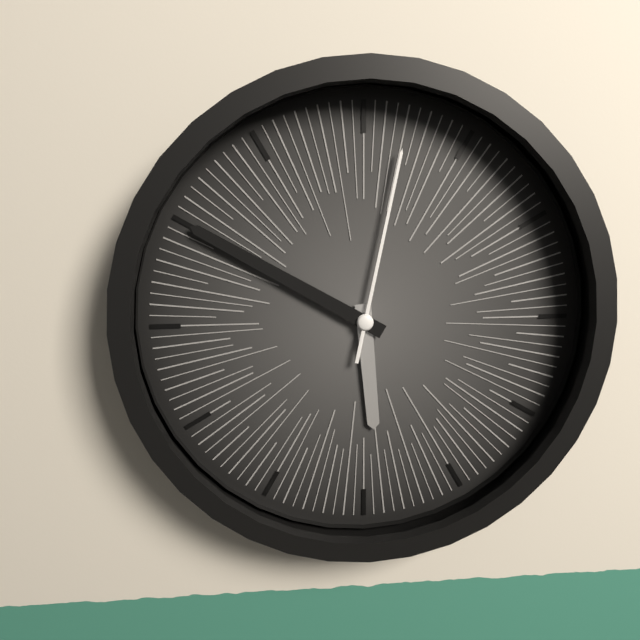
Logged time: 5 h 50 min 02 s
